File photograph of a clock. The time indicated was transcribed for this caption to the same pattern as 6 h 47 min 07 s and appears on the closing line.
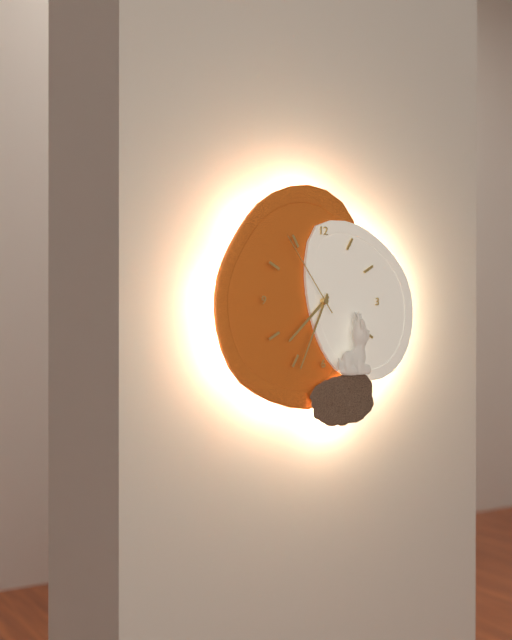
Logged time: 7 h 34 min 54 s
